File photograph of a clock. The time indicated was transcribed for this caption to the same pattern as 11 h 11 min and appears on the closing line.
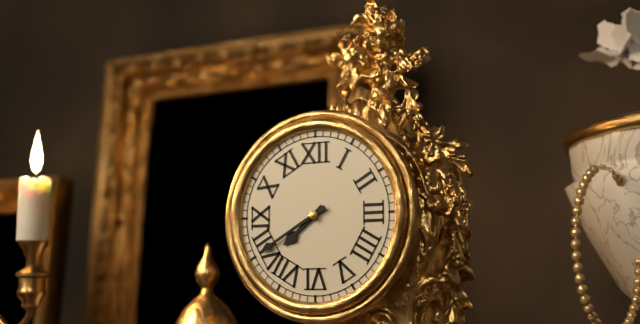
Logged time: 7 h 40 min
